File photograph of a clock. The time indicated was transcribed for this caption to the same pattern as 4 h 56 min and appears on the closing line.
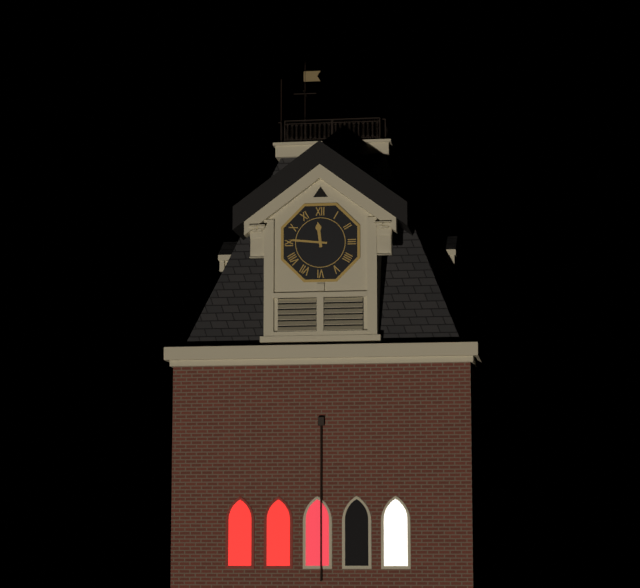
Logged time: 11 h 46 min
